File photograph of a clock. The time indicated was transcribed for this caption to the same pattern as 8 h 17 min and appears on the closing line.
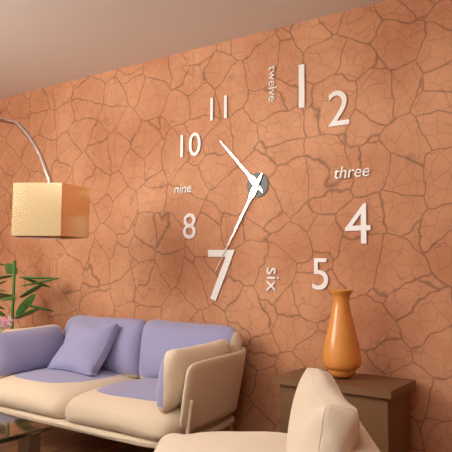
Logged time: 10 h 35 min
